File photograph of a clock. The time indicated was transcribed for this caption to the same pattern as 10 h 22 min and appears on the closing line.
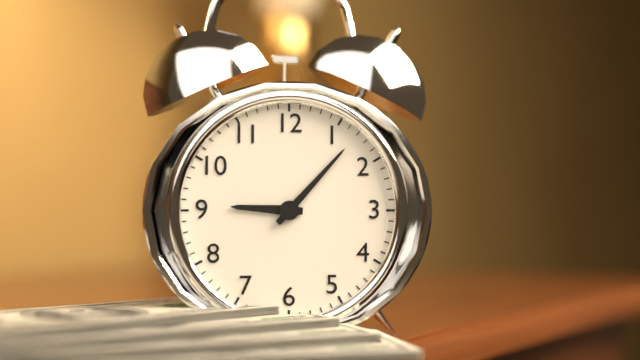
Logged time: 9 h 07 min
